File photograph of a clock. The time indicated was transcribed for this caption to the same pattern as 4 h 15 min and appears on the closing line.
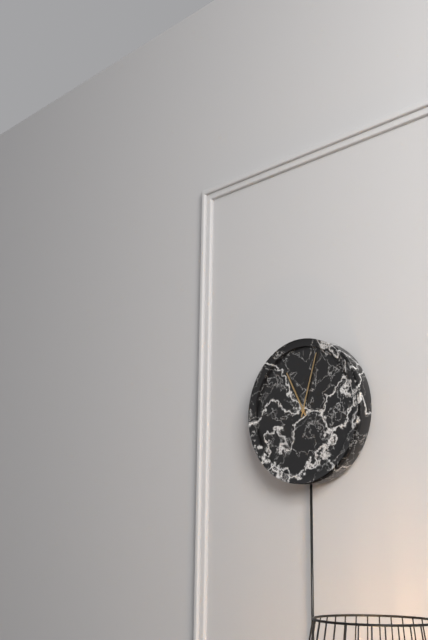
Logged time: 11 h 03 min
